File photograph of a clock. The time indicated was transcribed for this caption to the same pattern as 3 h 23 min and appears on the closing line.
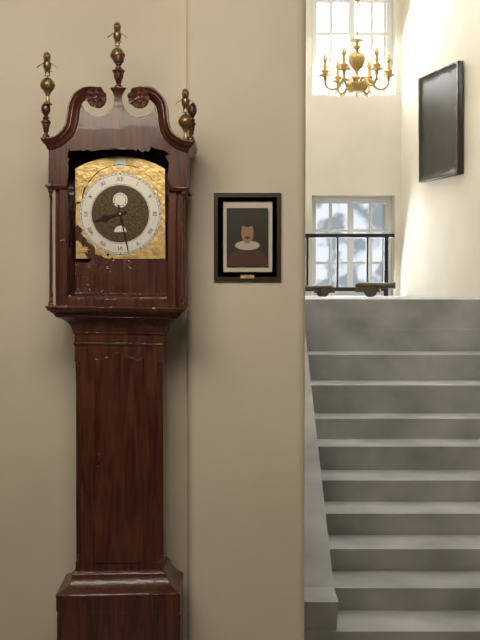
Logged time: 8 h 28 min
